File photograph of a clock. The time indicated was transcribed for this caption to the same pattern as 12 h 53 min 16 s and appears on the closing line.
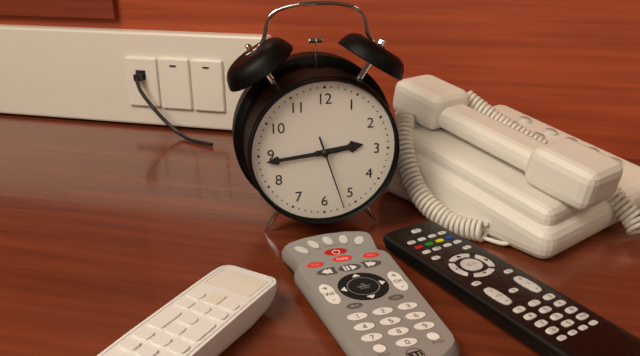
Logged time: 2 h 44 min 27 s
